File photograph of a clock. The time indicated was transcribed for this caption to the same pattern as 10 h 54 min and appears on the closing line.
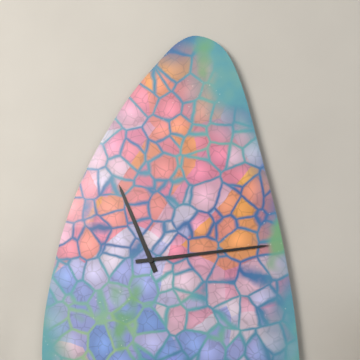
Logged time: 11 h 14 min
